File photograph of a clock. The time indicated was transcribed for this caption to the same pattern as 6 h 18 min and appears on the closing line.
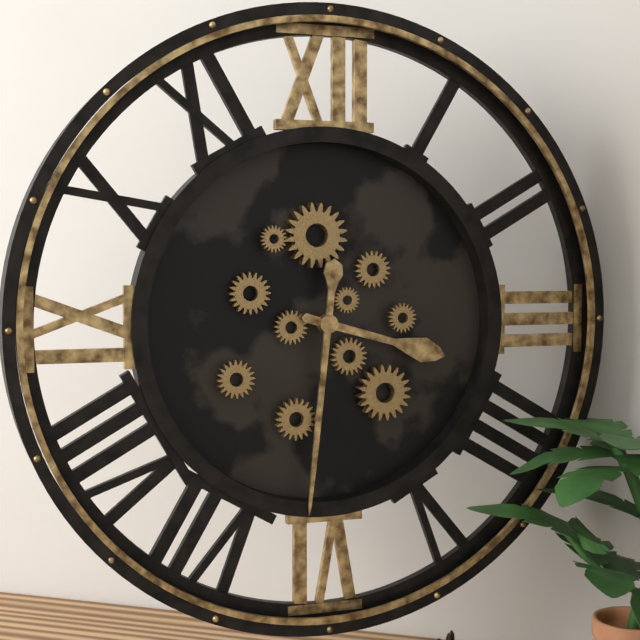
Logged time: 3 h 31 min
